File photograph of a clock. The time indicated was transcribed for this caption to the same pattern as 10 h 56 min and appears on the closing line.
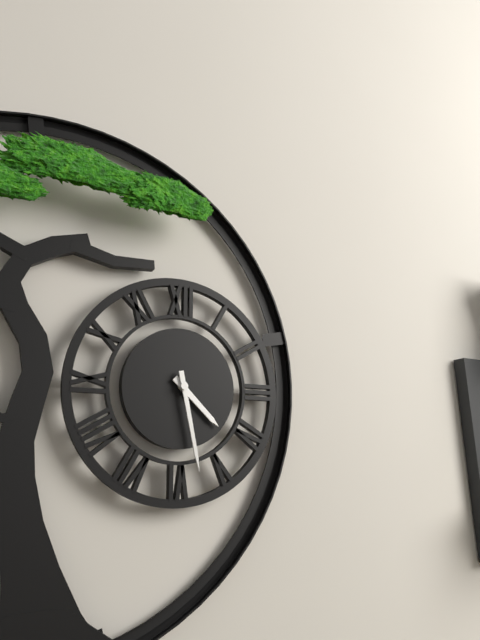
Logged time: 4 h 28 min
